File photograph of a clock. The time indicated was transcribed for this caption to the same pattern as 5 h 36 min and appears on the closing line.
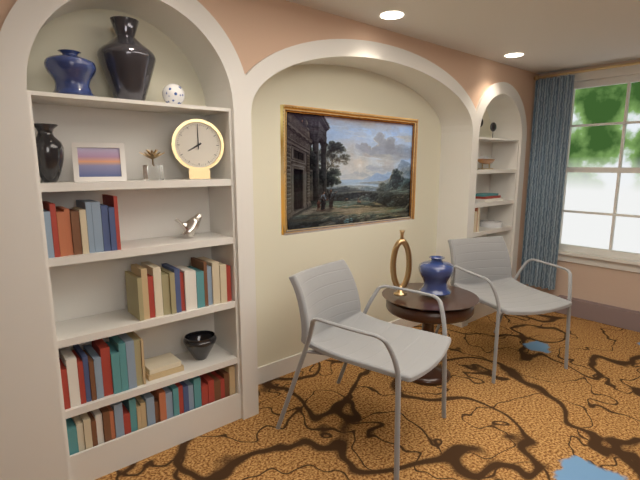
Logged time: 8 h 00 min
